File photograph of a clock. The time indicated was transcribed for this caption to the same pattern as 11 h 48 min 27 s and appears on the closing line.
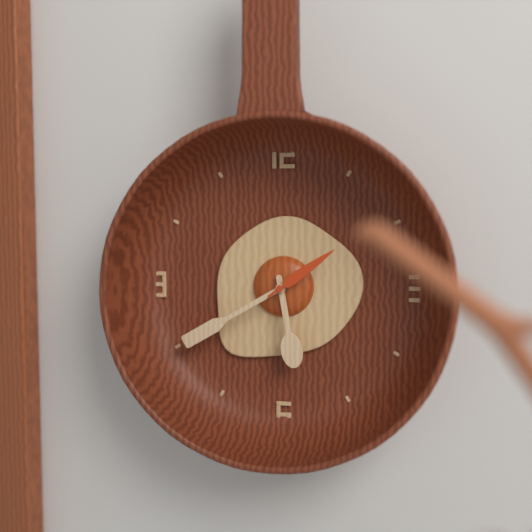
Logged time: 5 h 40 min 09 s
